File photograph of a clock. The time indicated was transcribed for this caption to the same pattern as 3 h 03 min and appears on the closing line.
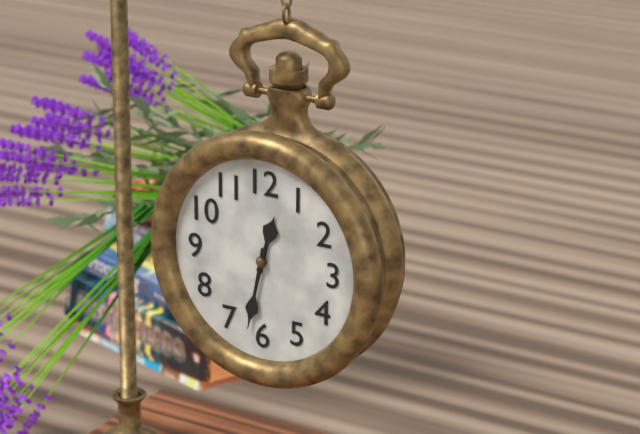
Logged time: 12 h 32 min
